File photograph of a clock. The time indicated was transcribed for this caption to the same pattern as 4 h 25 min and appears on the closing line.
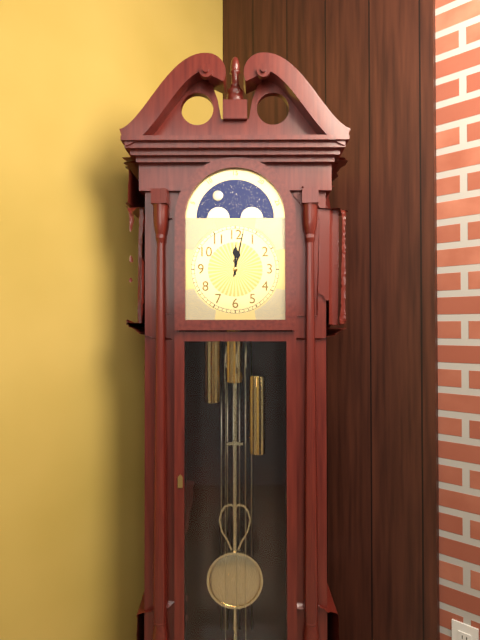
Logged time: 12 h 02 min
